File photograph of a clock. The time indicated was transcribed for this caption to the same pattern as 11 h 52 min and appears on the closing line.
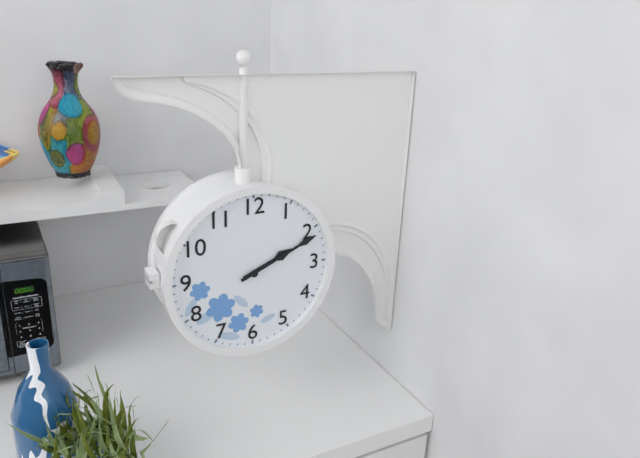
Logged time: 2 h 11 min
